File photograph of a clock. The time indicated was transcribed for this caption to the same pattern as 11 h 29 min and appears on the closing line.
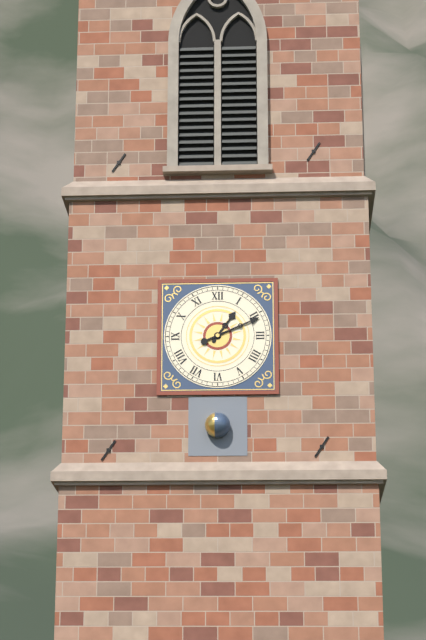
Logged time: 1 h 11 min
